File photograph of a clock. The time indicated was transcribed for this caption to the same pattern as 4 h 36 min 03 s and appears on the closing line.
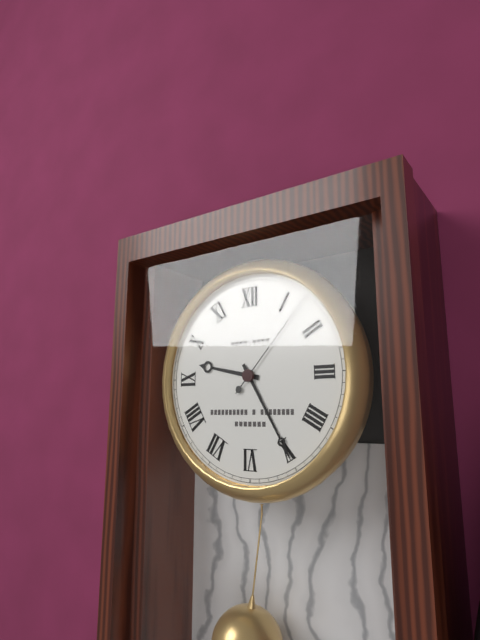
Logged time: 9 h 25 min 07 s
